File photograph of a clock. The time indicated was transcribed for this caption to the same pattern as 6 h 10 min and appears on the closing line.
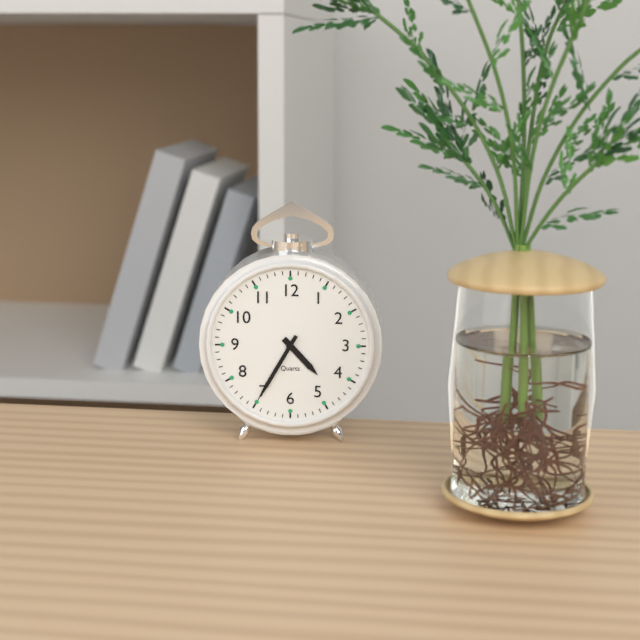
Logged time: 4 h 35 min
